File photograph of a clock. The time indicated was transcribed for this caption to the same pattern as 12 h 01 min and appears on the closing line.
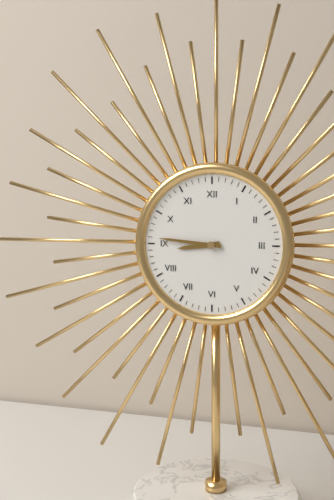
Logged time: 8 h 46 min
